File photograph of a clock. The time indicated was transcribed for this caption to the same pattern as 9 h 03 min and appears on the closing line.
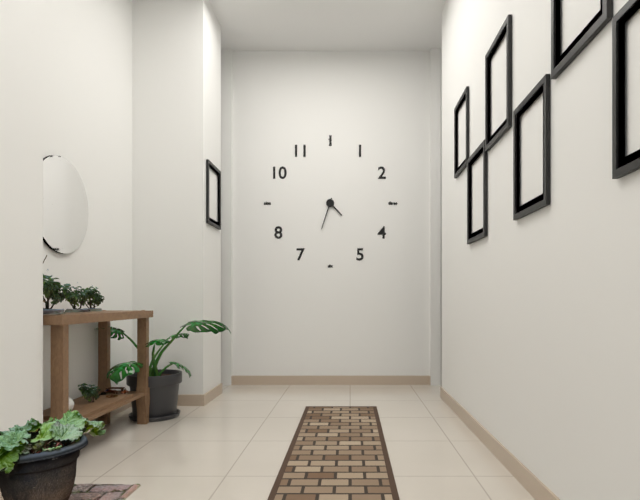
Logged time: 4 h 33 min
